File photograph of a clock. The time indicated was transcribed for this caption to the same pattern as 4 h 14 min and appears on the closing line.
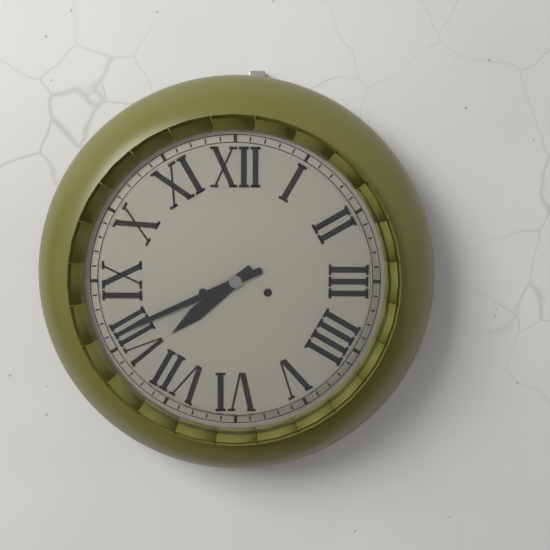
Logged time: 7 h 41 min
